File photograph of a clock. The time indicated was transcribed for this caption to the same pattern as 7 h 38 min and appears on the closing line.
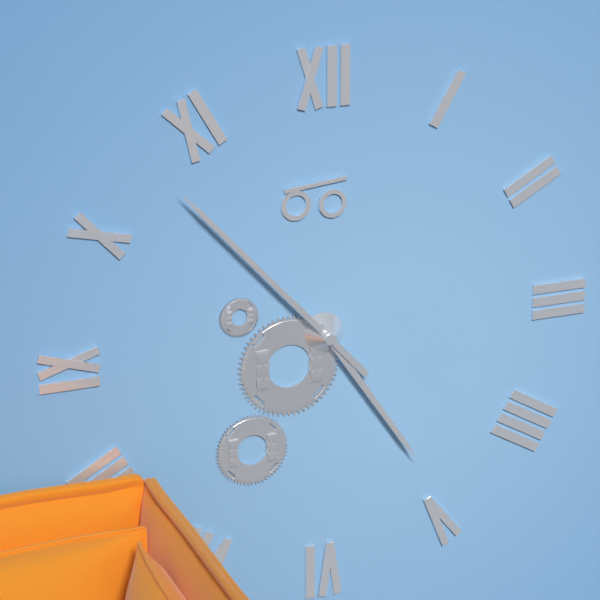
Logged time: 4 h 53 min
